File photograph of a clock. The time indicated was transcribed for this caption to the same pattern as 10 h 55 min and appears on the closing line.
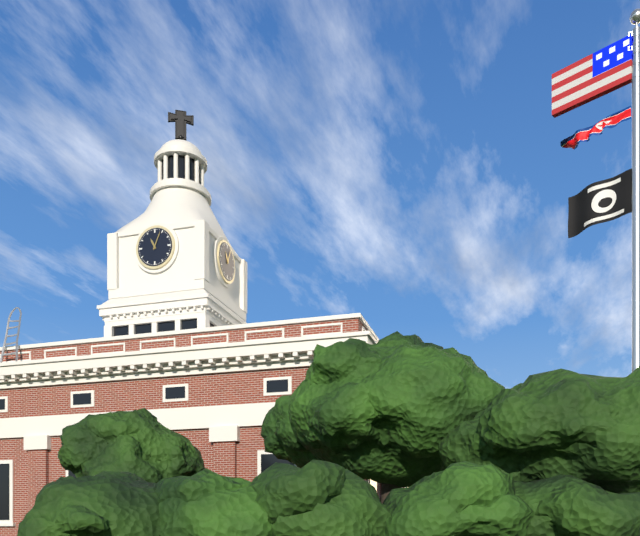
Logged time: 11 h 04 min
